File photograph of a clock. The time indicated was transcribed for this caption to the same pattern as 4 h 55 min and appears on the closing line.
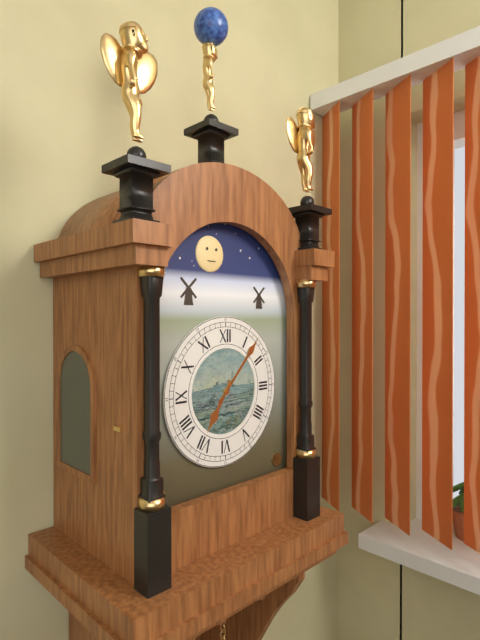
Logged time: 7 h 07 min
